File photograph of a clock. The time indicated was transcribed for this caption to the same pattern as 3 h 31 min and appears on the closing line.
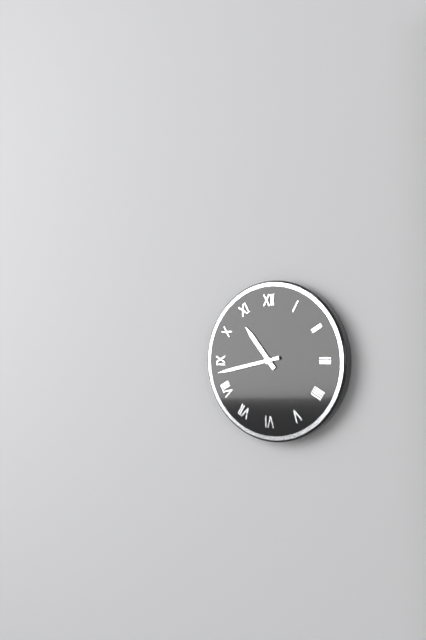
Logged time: 10 h 43 min
